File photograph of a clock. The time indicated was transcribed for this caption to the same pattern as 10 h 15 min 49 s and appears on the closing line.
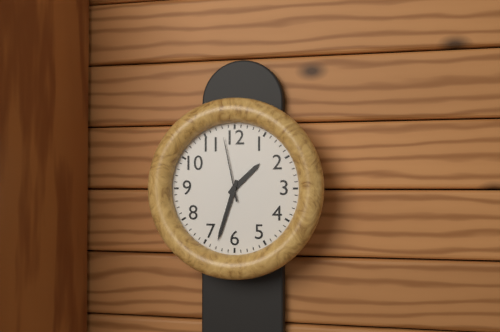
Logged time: 1 h 33 min 58 s
